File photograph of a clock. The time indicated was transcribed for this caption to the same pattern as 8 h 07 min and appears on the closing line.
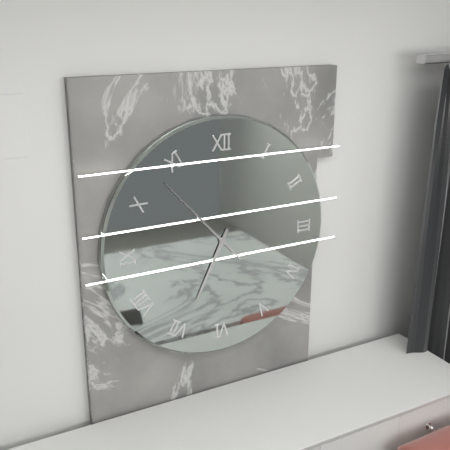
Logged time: 6 h 53 min
